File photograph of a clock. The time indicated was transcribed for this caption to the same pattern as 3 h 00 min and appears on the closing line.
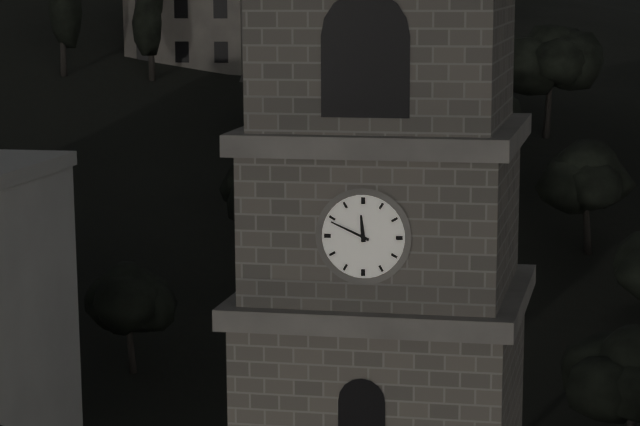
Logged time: 11 h 49 min
